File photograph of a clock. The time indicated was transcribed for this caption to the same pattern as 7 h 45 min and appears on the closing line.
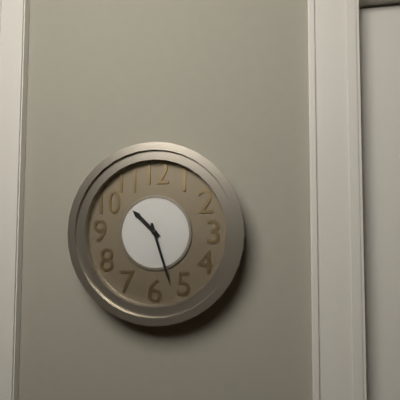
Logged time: 10 h 27 min
